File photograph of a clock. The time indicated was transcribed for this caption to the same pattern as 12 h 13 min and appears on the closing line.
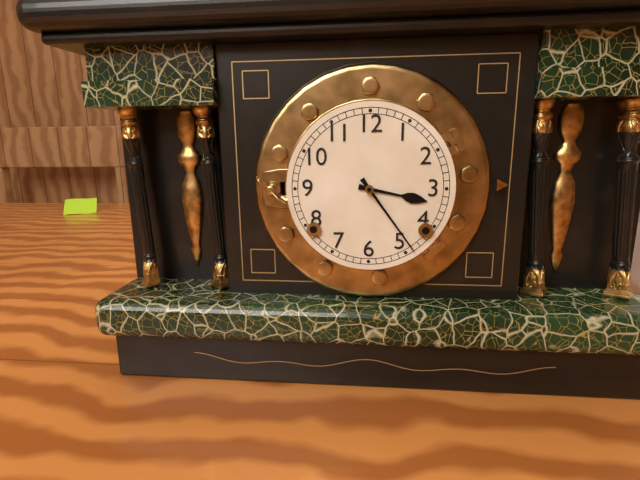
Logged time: 3 h 24 min
